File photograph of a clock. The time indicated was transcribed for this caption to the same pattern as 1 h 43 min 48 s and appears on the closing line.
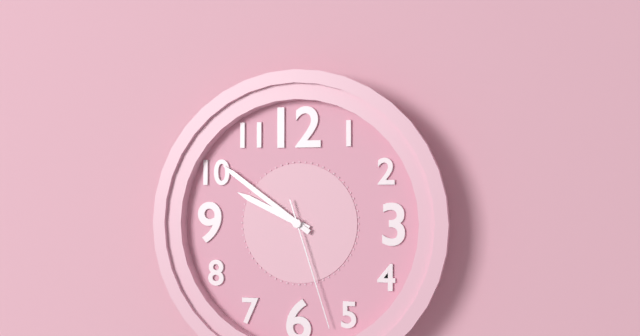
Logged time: 9 h 51 min 27 s
